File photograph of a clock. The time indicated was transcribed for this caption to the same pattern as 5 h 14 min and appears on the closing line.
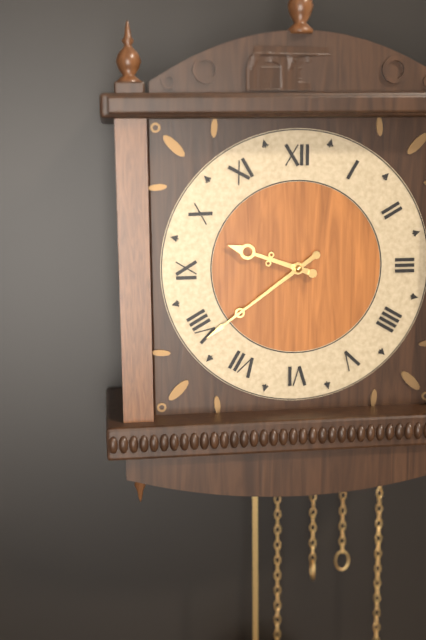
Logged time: 9 h 39 min
